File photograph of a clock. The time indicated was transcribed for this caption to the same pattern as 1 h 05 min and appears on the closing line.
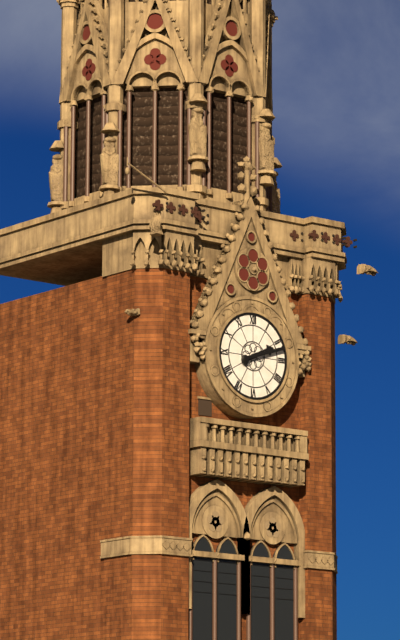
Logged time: 2 h 12 min
